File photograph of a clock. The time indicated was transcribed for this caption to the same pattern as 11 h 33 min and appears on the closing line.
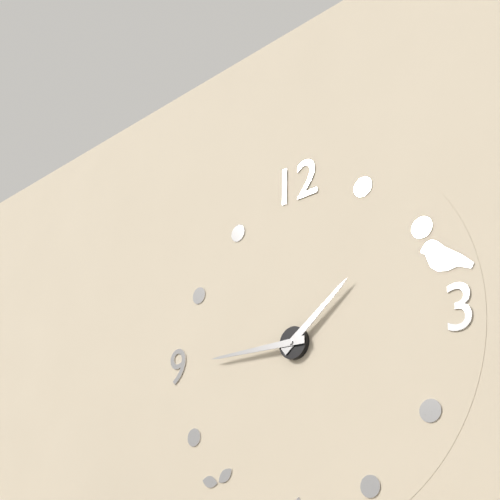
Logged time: 1 h 45 min
